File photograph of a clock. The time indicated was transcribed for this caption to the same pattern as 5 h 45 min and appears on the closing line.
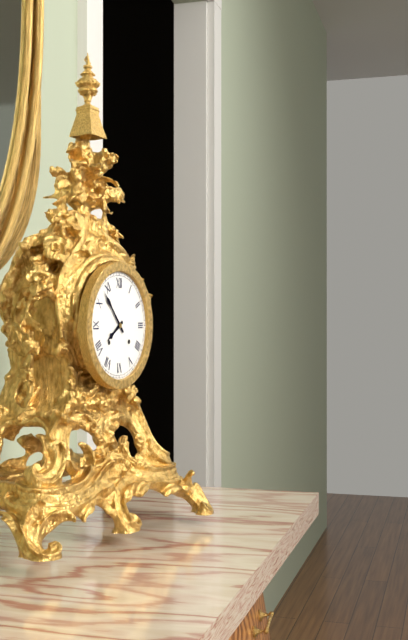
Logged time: 7 h 53 min
